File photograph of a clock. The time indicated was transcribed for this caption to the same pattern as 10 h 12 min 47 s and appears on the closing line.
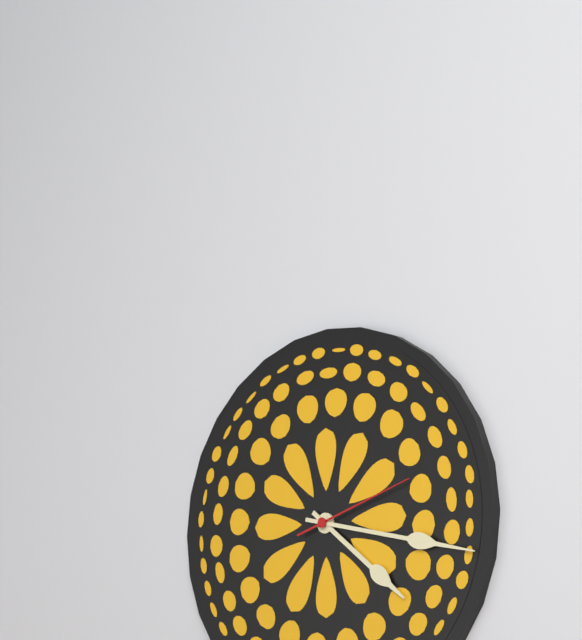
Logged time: 4 h 17 min 12 s
